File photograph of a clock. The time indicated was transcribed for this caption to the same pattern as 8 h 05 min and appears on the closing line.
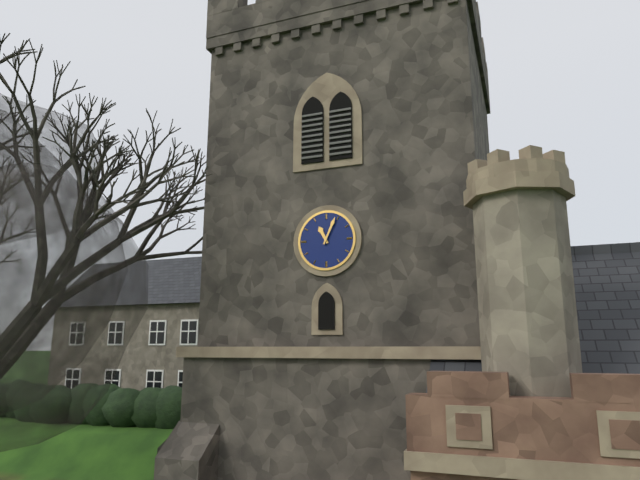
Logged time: 11 h 04 min
